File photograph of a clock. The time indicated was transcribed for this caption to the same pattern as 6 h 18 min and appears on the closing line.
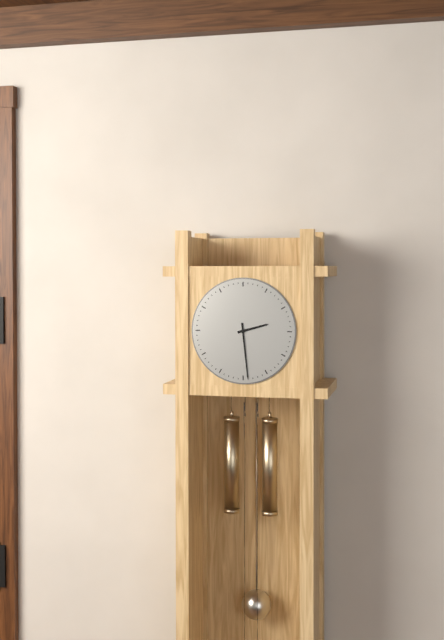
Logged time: 2 h 29 min
